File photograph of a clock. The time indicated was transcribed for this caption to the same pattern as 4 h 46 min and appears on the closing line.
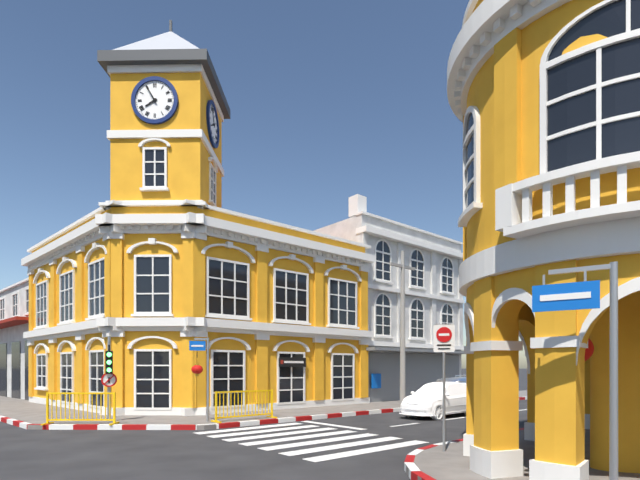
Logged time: 7 h 55 min
